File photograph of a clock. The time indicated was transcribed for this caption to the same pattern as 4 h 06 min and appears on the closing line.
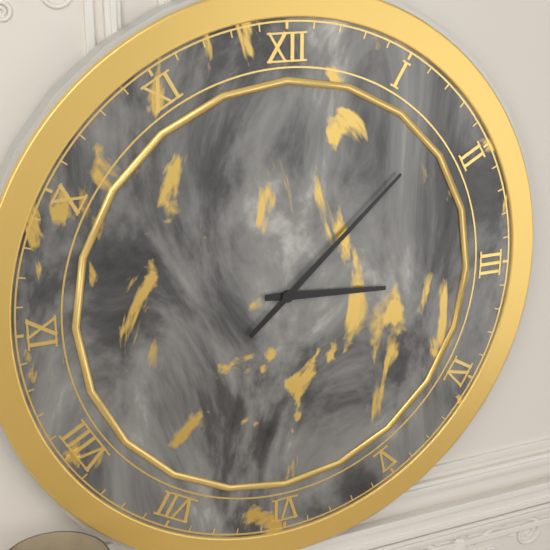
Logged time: 3 h 08 min
